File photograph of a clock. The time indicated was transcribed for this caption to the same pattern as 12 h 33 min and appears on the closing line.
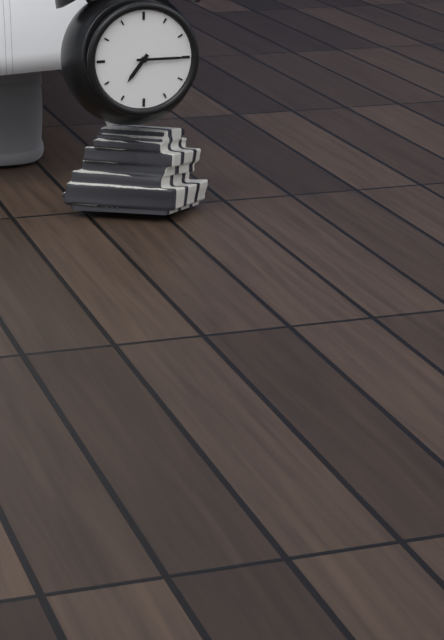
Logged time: 7 h 15 min
